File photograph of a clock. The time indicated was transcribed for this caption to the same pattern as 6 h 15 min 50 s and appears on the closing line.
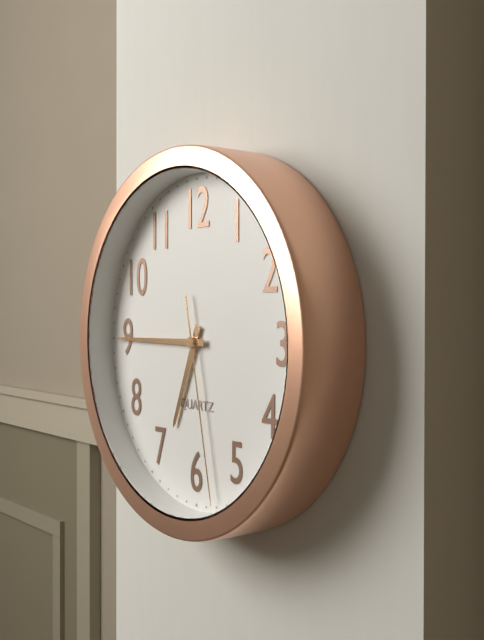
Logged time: 6 h 45 min 28 s
